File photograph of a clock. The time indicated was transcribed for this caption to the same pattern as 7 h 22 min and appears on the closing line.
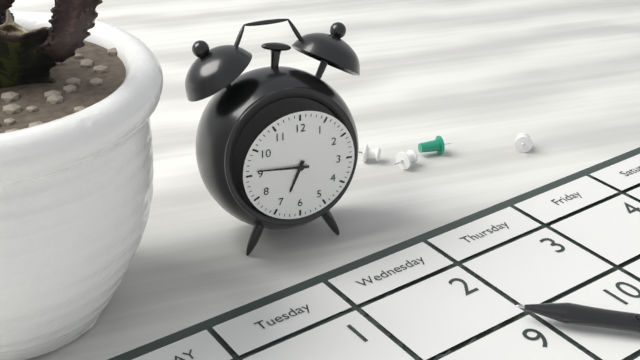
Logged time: 6 h 46 min
